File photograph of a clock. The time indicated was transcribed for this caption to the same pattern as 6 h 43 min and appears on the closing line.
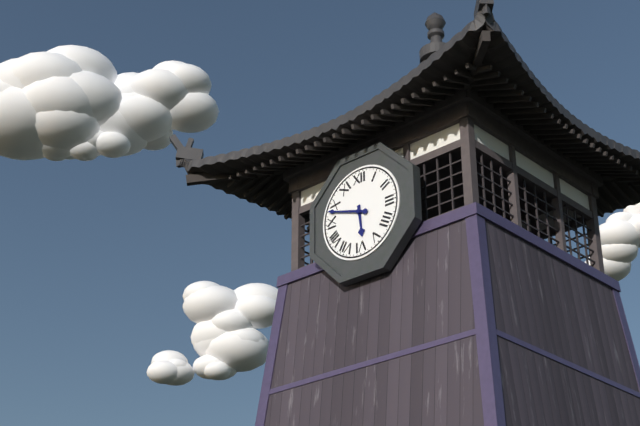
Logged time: 5 h 48 min
